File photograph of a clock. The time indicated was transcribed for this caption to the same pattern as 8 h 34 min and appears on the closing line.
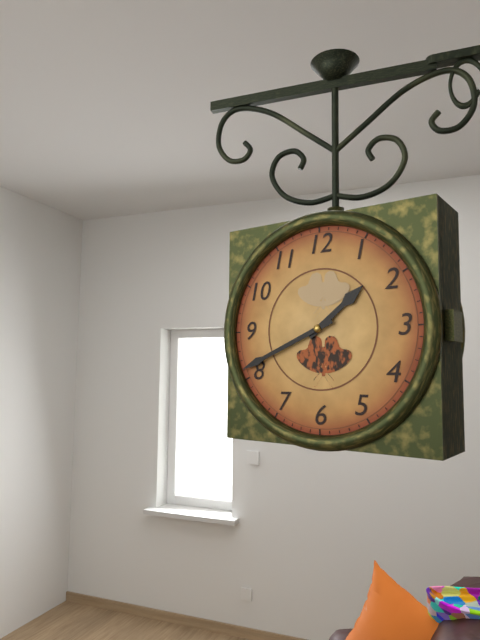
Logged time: 1 h 41 min
